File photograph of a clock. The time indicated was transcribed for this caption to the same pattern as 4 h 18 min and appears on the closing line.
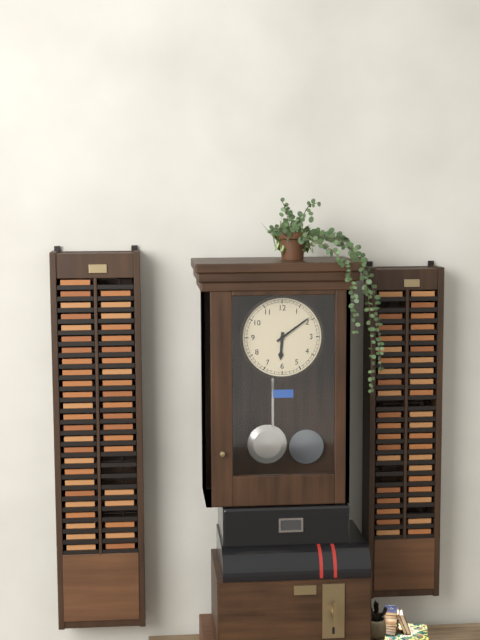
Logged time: 6 h 09 min
